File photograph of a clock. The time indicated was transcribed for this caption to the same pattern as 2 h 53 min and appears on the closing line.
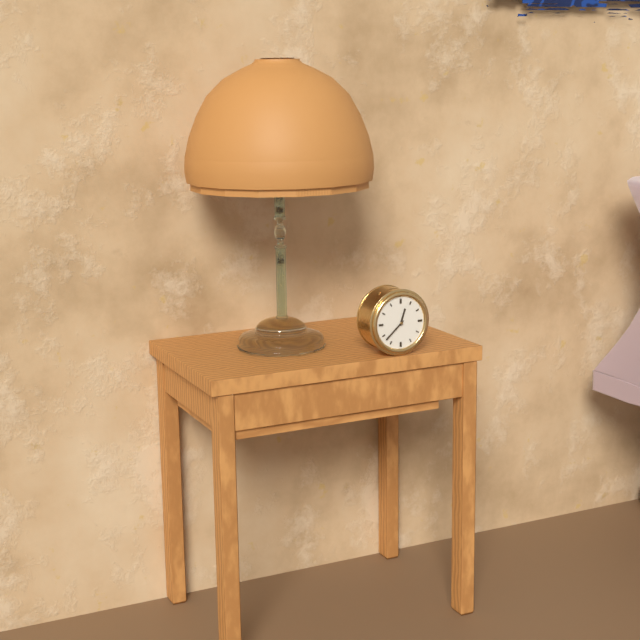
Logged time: 12 h 38 min
